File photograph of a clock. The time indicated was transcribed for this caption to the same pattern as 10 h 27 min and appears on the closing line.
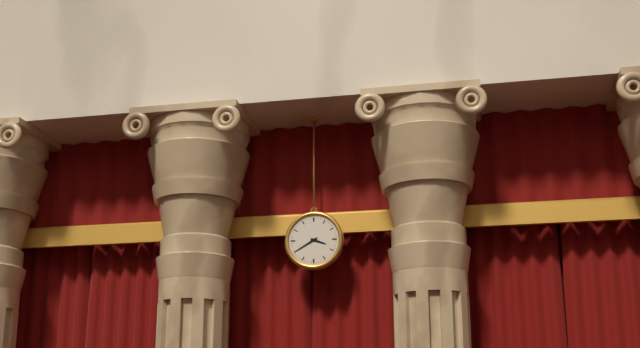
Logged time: 3 h 40 min
